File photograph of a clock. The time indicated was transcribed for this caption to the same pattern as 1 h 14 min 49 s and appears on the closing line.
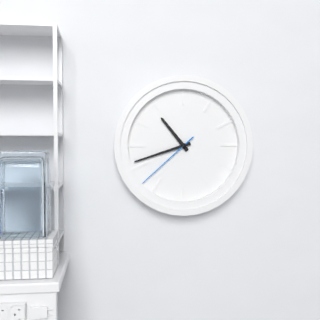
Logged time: 10 h 42 min 38 s
